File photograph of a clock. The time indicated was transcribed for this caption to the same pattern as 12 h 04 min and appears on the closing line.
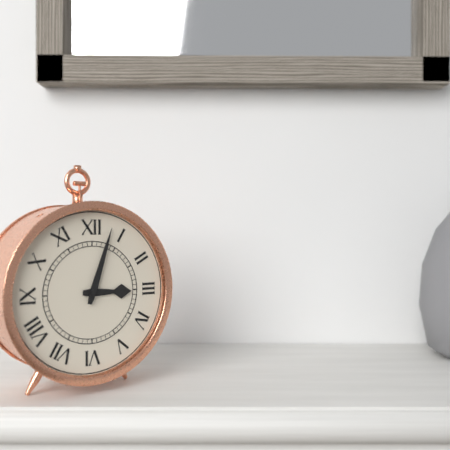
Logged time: 3 h 03 min
